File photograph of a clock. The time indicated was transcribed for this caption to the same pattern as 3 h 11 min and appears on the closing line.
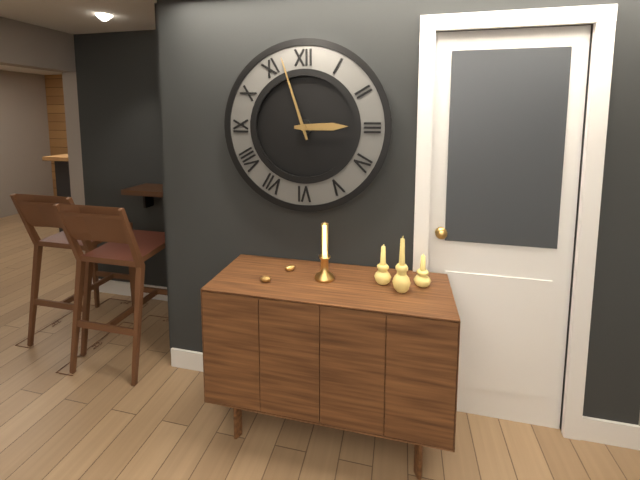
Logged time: 2 h 57 min
